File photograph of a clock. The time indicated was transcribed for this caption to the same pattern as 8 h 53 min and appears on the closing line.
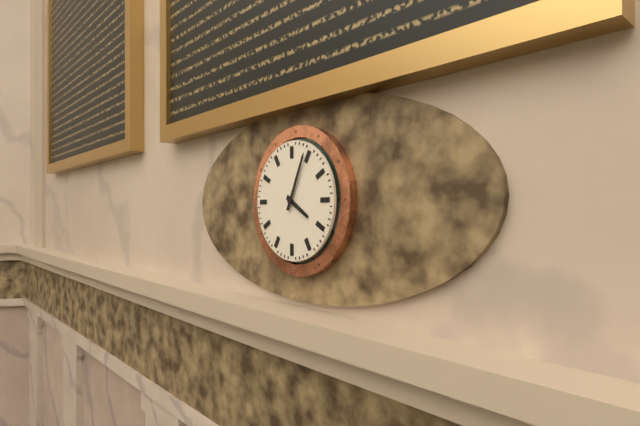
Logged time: 4 h 04 min
